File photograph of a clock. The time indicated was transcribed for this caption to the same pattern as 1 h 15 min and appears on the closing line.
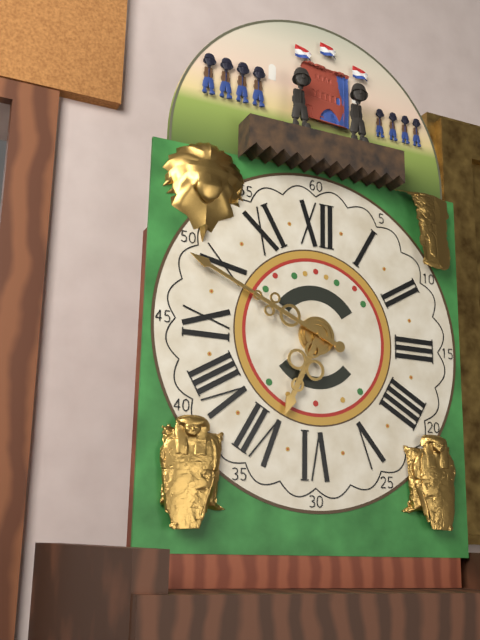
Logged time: 6 h 49 min
